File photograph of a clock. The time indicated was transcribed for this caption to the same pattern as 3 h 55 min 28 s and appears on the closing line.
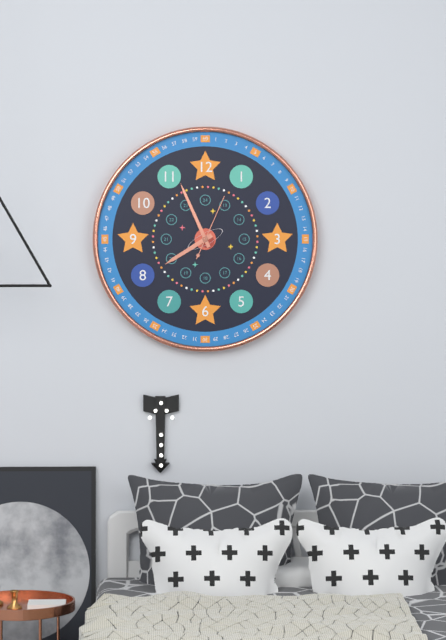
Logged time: 7 h 56 min 04 s
